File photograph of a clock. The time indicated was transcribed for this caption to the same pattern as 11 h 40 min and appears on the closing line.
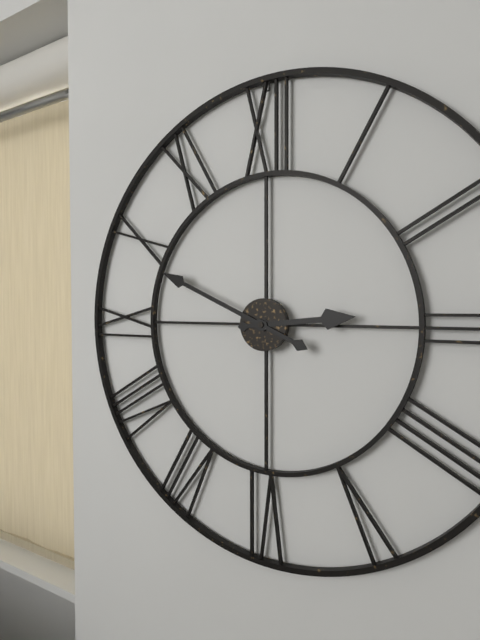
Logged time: 2 h 49 min
